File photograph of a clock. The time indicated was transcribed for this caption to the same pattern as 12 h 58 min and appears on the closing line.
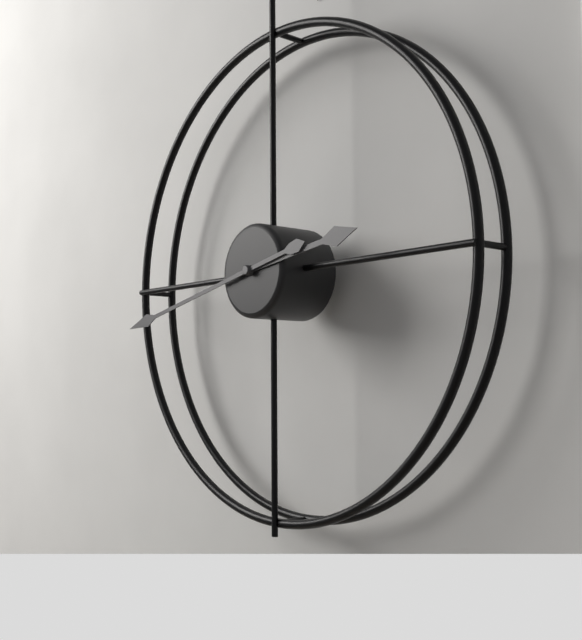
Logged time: 2 h 43 min
